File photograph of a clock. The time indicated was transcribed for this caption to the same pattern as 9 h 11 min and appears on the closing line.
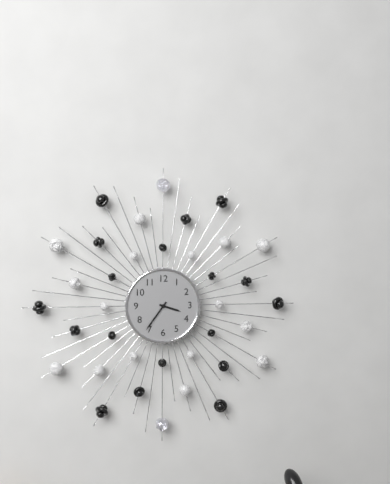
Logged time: 3 h 36 min
